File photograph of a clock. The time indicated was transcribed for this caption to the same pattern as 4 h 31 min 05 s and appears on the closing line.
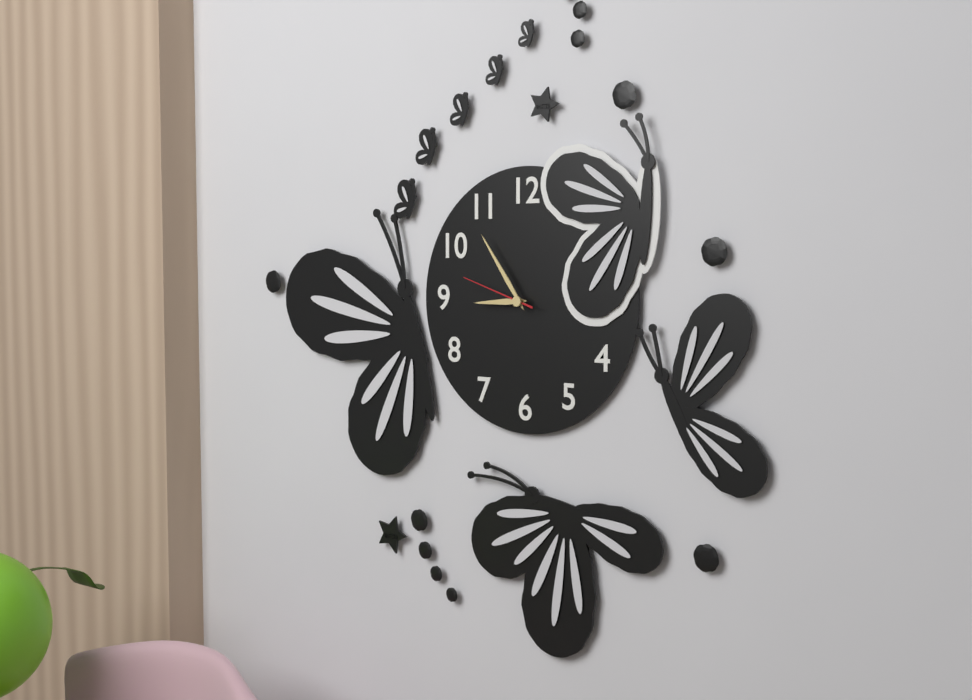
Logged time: 8 h 54 min 48 s
